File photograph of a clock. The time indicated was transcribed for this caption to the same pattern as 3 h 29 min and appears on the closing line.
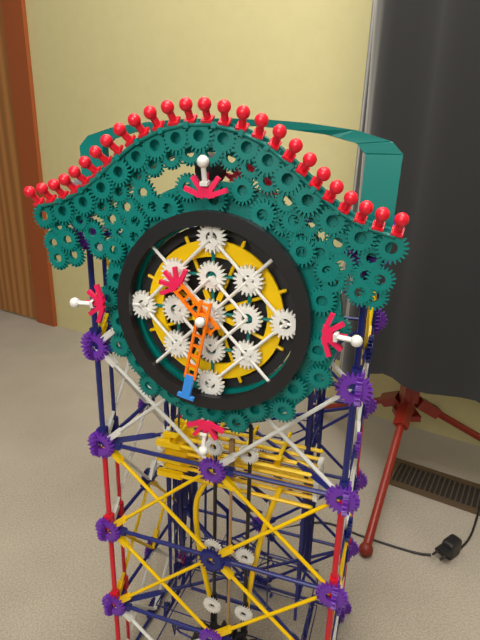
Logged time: 10 h 32 min
